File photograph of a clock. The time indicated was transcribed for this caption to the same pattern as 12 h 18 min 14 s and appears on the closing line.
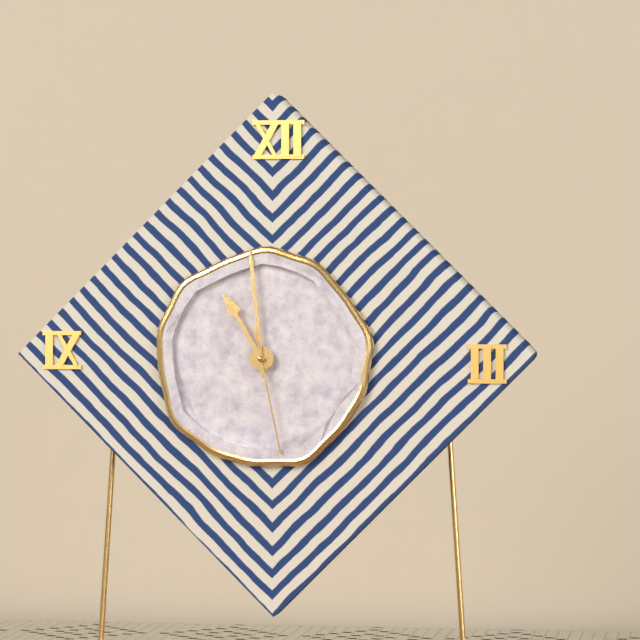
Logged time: 10 h 59 min 28 s
